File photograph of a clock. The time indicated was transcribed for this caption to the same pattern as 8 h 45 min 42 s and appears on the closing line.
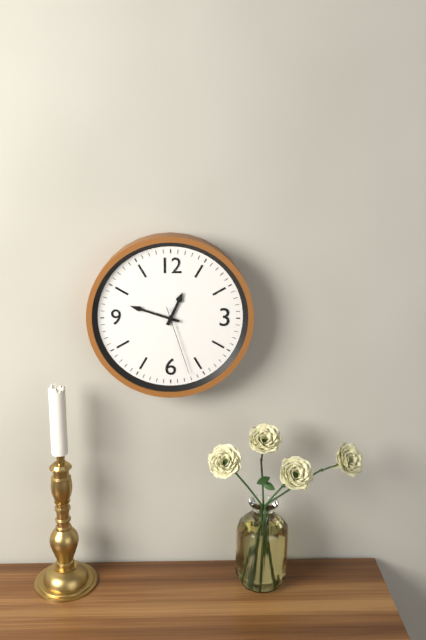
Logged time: 12 h 48 min 27 s
